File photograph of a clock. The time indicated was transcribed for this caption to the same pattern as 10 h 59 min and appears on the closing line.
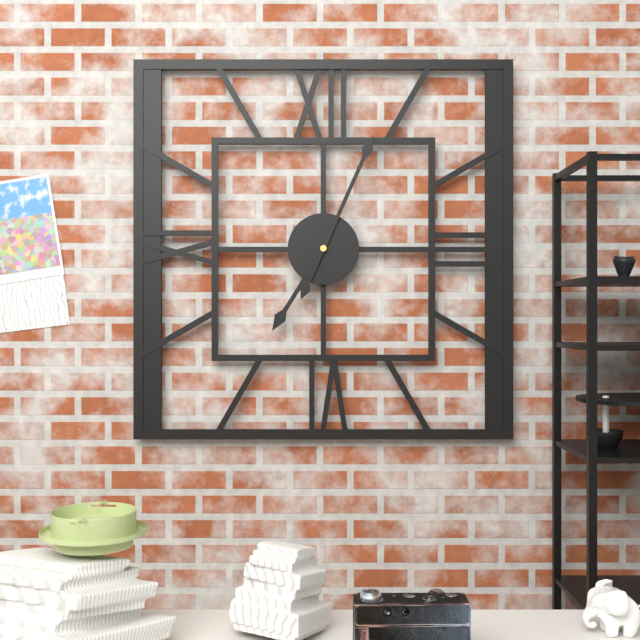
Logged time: 7 h 04 min
